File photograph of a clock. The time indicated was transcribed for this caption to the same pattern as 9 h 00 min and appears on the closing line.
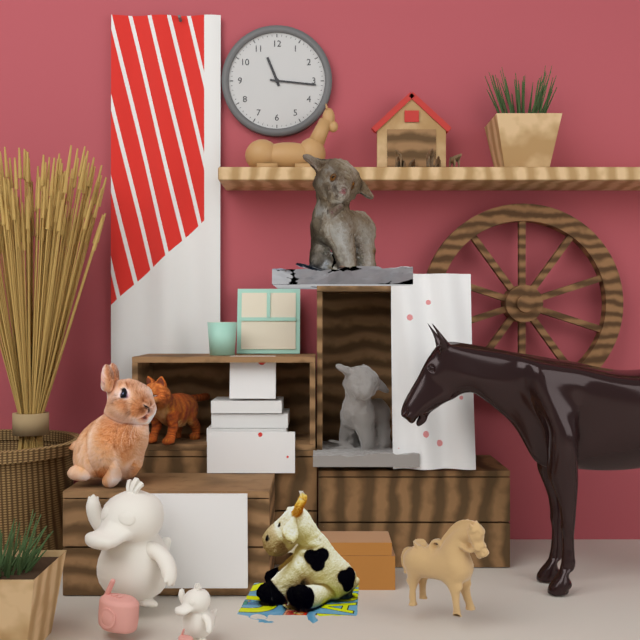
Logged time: 11 h 16 min
